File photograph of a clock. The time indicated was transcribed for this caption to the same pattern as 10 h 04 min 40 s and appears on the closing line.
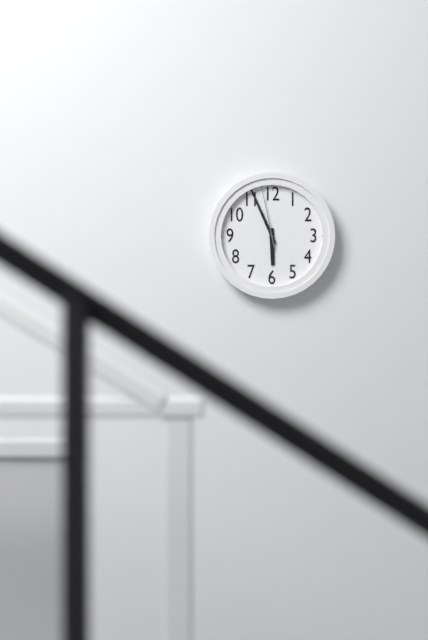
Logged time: 5 h 56 min 58 s
